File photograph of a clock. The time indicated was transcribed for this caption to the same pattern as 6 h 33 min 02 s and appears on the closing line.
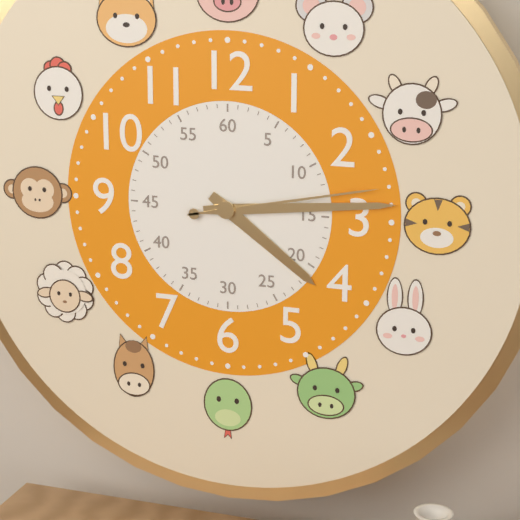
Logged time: 4 h 14 min 13 s
